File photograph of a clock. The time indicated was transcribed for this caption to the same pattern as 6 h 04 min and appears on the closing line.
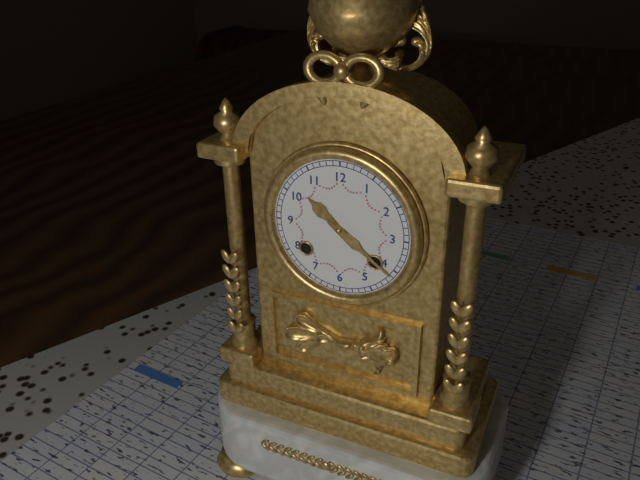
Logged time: 10 h 21 min
